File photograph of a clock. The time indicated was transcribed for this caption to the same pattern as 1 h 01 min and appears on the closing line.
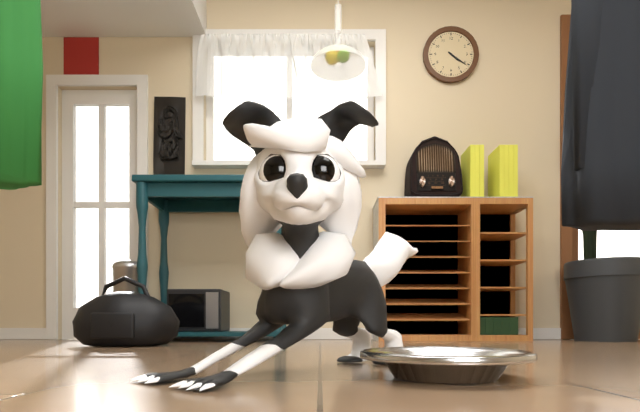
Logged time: 4 h 21 min
